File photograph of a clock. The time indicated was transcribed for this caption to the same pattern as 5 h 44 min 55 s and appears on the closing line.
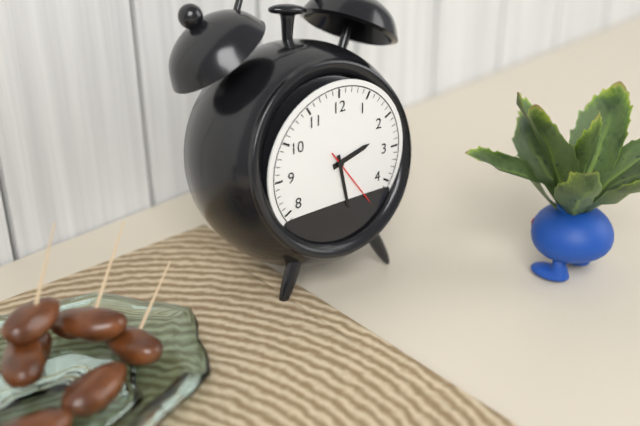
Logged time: 2 h 28 min 24 s
